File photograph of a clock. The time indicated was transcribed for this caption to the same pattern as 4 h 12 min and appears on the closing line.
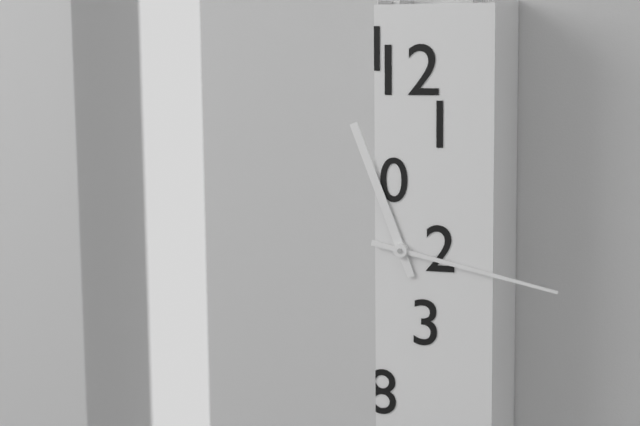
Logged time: 11 h 17 min
